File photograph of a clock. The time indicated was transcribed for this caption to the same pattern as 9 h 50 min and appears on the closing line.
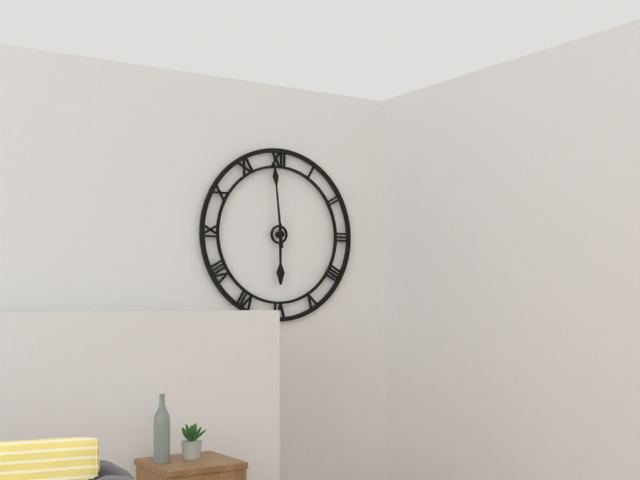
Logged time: 5 h 59 min
